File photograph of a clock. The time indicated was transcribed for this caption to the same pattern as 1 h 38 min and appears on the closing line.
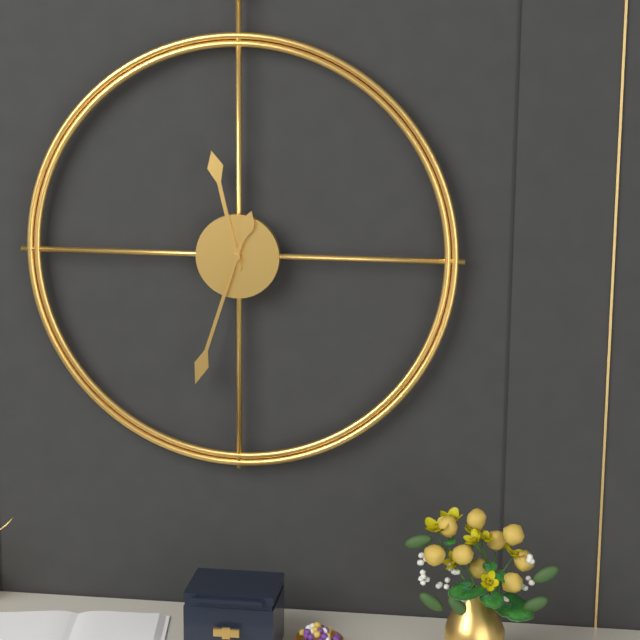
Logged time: 11 h 33 min
